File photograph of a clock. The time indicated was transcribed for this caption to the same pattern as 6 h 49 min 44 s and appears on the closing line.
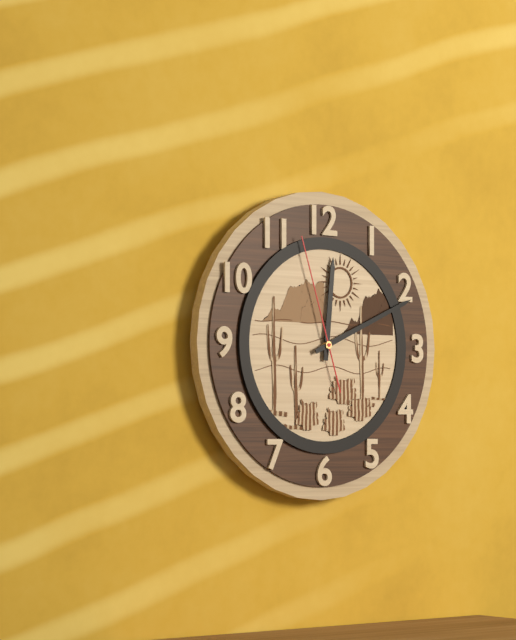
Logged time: 12 h 11 min 57 s
